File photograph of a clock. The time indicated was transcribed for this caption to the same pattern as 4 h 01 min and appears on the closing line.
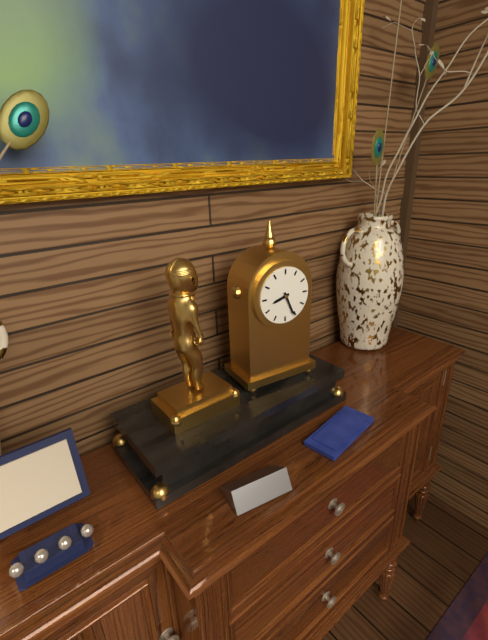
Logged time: 8 h 26 min
